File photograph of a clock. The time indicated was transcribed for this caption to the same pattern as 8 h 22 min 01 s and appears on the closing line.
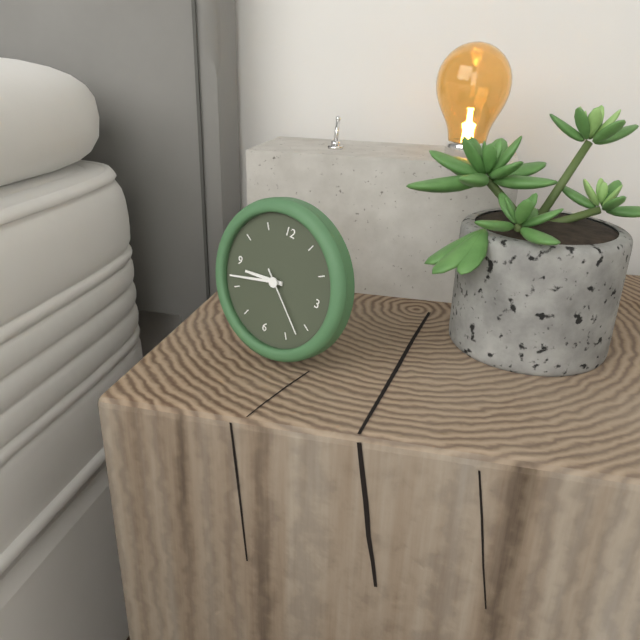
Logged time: 8 h 42 min 22 s
